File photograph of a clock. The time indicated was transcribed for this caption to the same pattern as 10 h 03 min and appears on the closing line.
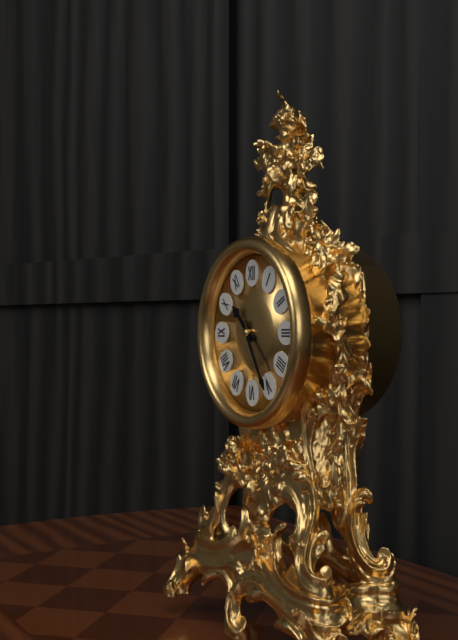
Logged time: 10 h 25 min
